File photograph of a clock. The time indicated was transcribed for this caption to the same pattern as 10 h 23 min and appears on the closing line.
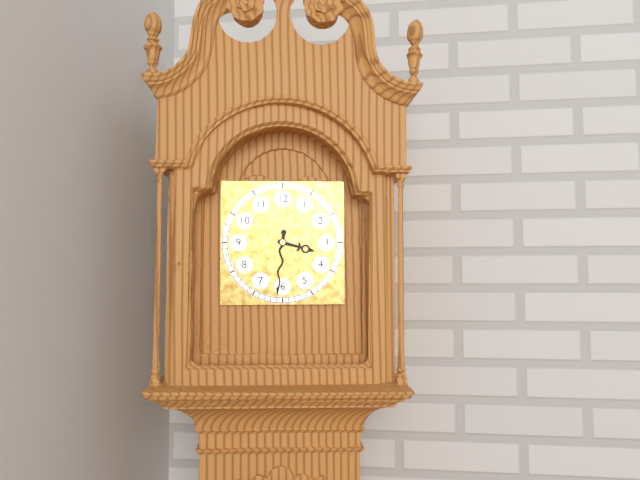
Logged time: 3 h 31 min
